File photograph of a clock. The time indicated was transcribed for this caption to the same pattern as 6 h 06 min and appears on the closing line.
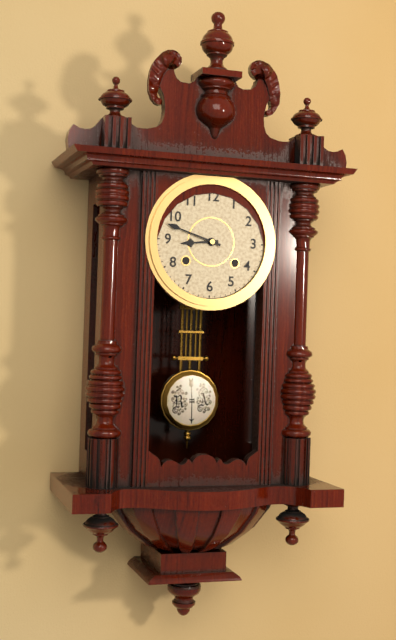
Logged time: 8 h 48 min
